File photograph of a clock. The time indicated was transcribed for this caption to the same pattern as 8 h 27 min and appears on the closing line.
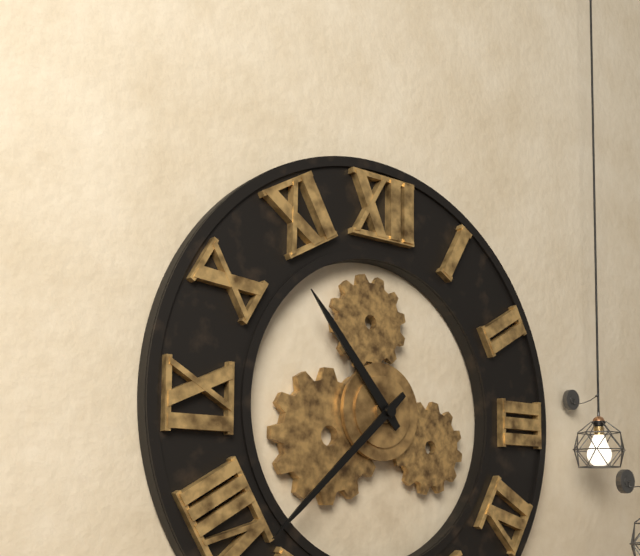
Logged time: 10 h 38 min
